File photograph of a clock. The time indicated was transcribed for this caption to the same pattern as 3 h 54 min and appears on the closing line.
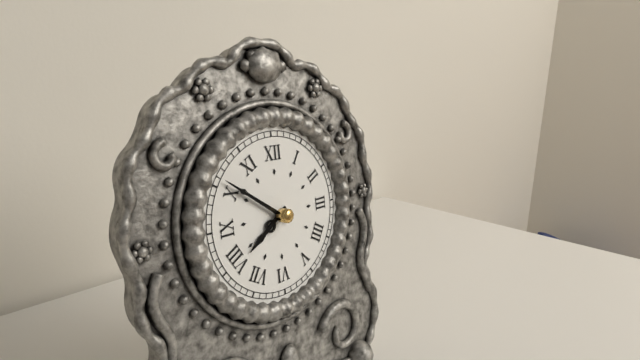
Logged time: 7 h 51 min
